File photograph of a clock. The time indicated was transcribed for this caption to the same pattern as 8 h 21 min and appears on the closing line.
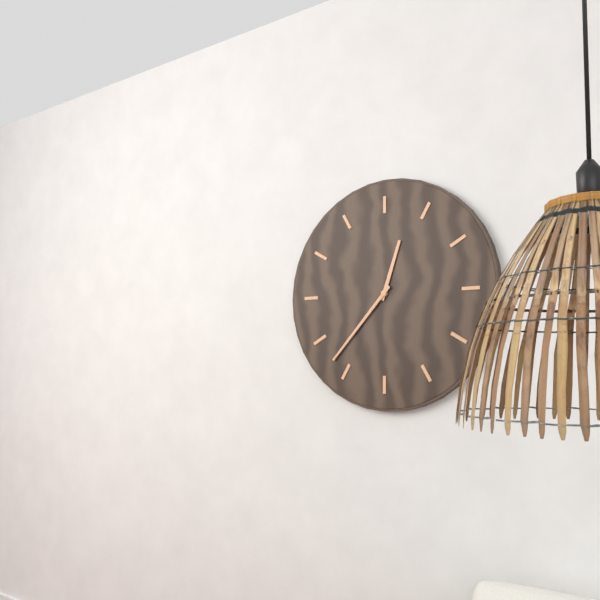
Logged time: 12 h 37 min
